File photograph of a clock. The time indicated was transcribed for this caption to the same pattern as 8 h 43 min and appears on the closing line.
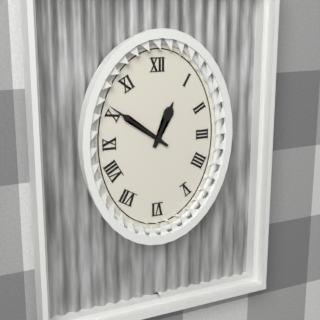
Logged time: 12 h 51 min
